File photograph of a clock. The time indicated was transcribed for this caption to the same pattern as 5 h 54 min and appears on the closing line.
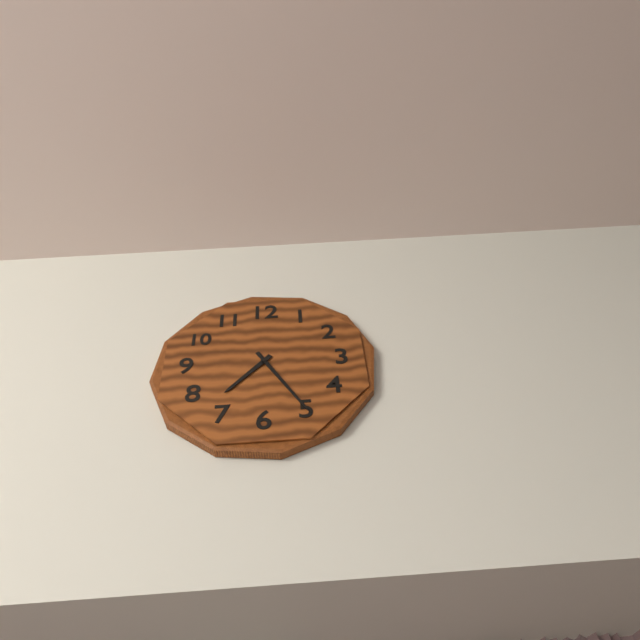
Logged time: 7 h 25 min
